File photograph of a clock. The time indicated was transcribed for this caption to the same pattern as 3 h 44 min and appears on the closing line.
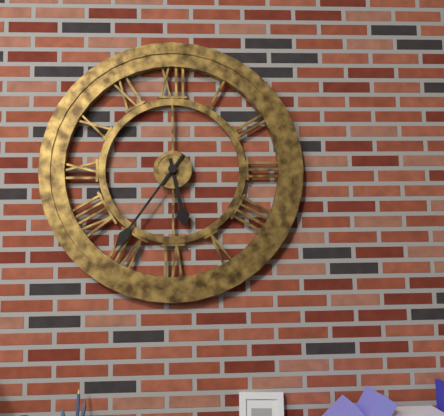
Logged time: 5 h 36 min
